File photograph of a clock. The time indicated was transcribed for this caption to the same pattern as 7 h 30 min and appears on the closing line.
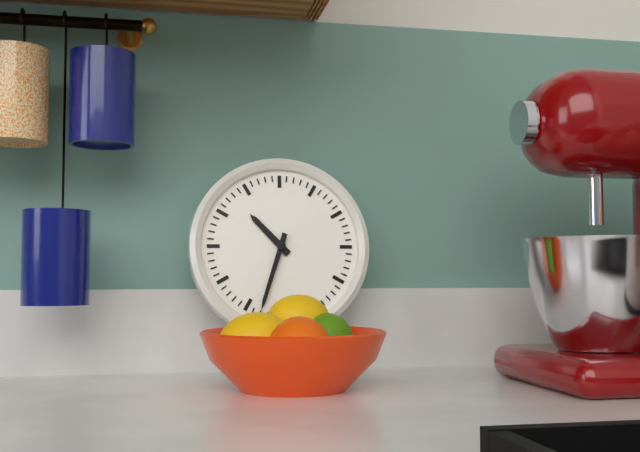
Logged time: 10 h 33 min
